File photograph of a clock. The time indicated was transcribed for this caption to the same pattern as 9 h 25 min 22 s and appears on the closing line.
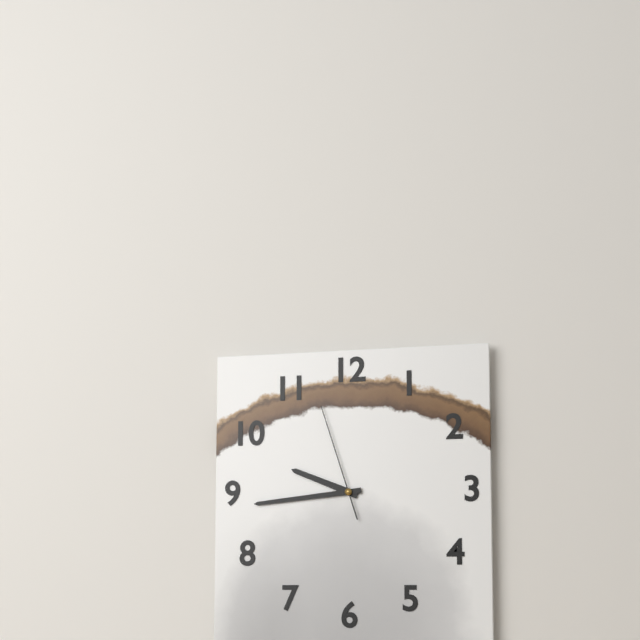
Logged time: 9 h 44 min 57 s
